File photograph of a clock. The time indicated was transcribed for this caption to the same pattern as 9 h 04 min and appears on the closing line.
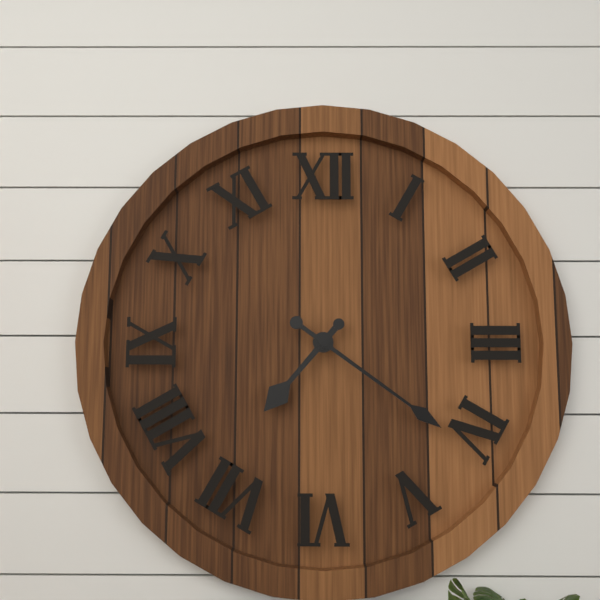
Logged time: 7 h 21 min
